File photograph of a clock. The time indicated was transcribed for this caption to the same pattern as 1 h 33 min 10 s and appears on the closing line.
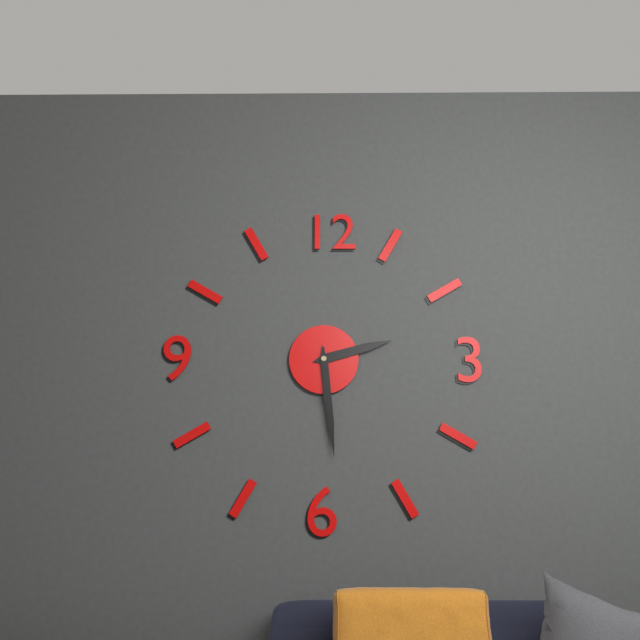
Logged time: 2 h 29 min 30 s
